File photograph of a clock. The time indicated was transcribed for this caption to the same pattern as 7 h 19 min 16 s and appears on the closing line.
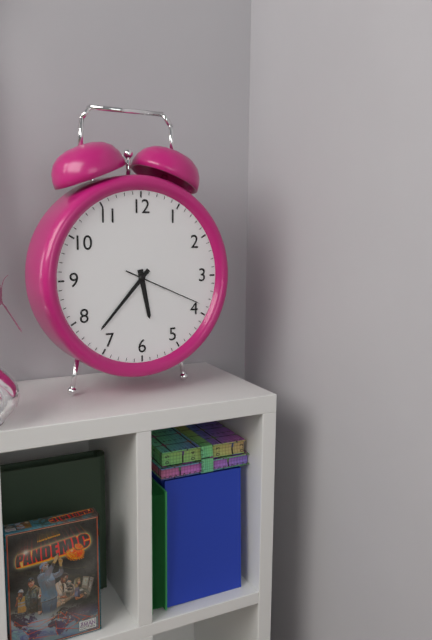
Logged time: 5 h 37 min 19 s
